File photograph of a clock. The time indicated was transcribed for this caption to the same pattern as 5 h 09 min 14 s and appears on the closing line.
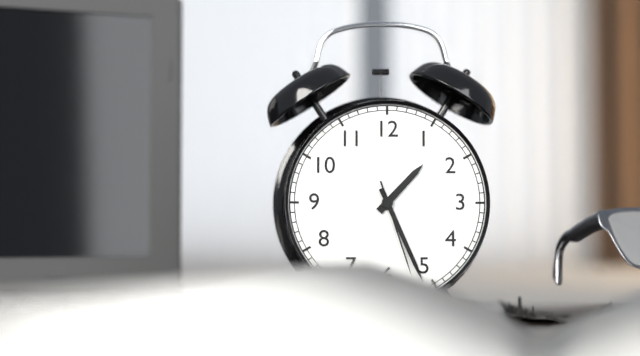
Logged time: 1 h 26 min 27 s
